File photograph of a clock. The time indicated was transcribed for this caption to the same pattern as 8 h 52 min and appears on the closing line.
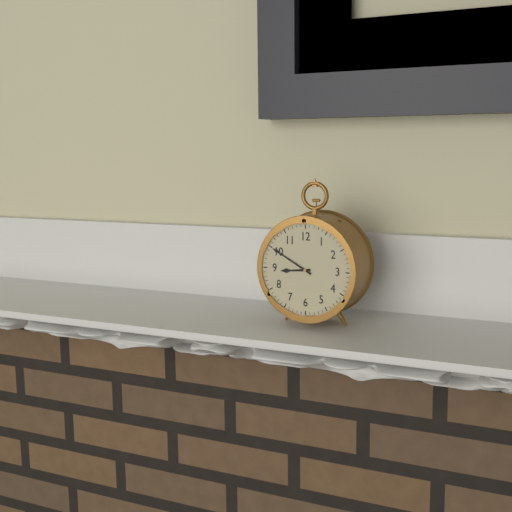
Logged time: 8 h 50 min
